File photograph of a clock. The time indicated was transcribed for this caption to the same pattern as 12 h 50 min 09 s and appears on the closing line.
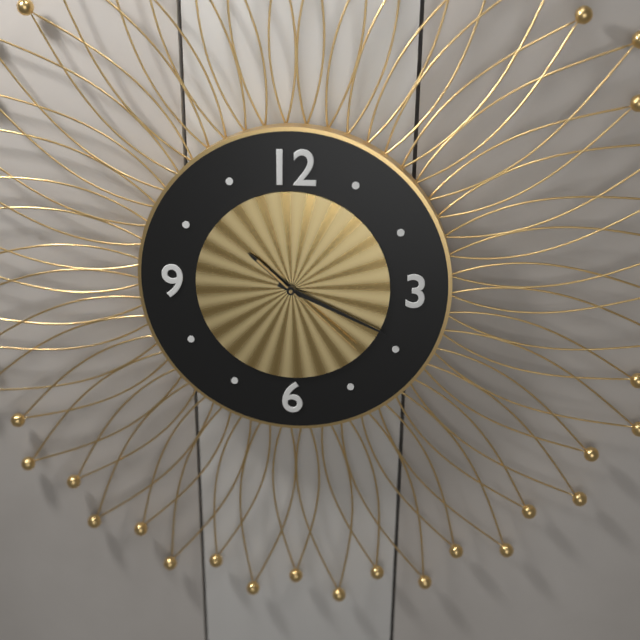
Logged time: 10 h 19 min 22 s
